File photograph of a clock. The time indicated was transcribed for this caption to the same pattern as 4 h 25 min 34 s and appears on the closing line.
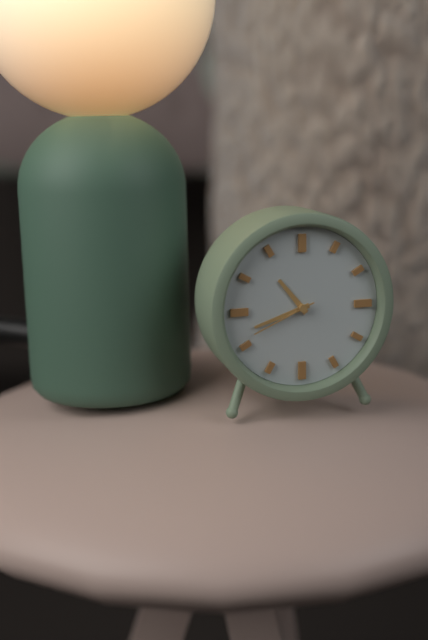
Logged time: 10 h 42 min 41 s
